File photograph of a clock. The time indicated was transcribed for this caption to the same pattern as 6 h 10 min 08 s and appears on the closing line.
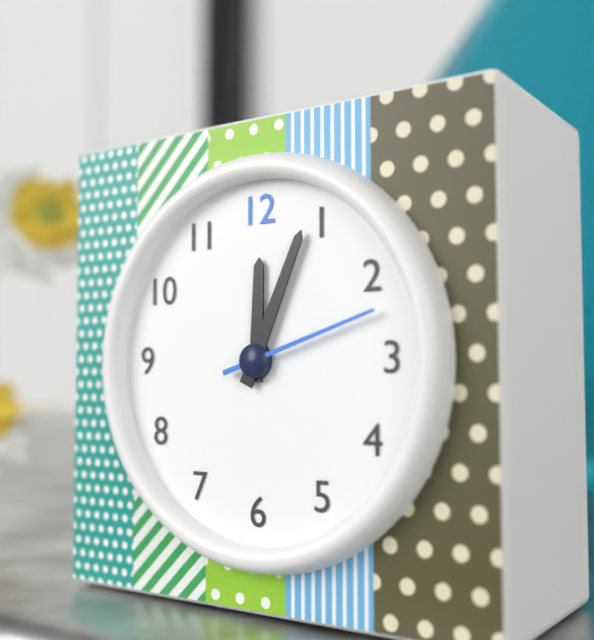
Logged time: 12 h 04 min 12 s
